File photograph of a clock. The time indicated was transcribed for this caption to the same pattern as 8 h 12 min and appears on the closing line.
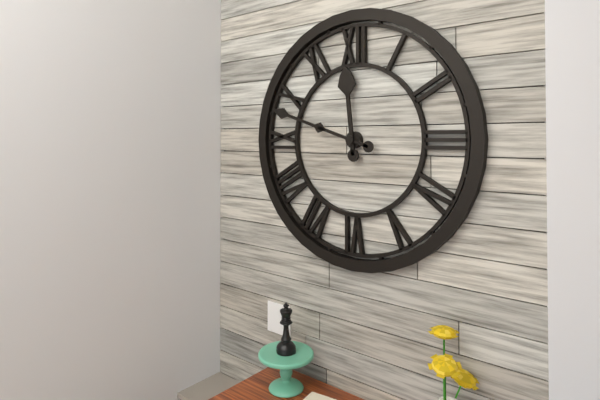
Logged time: 11 h 48 min
